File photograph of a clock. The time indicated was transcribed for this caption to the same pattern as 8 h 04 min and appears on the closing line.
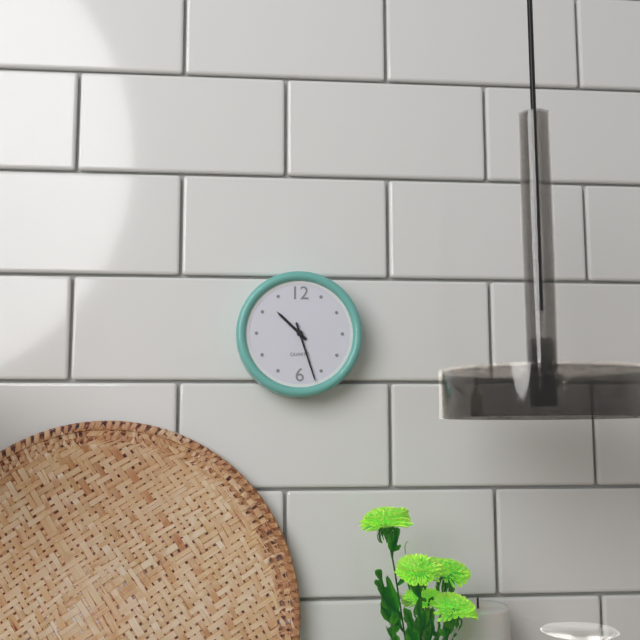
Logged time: 10 h 27 min
